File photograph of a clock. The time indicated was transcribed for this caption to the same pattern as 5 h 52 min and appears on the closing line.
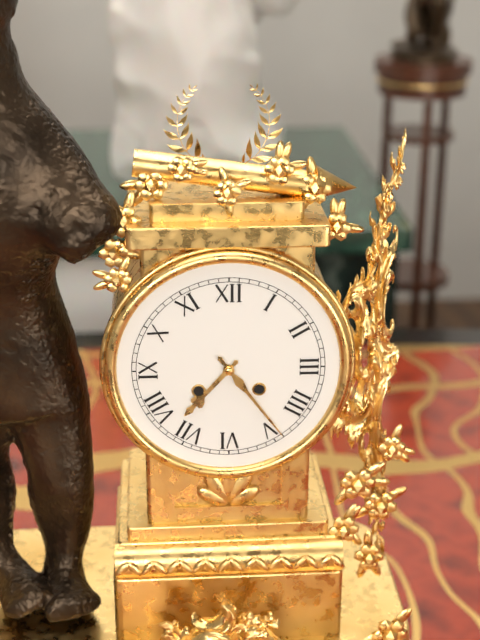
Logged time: 7 h 24 min
